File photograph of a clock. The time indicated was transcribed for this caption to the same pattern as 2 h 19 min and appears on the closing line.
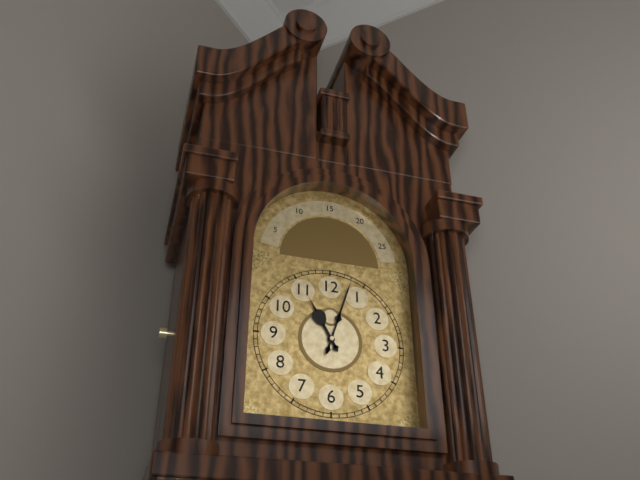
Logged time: 11 h 03 min
